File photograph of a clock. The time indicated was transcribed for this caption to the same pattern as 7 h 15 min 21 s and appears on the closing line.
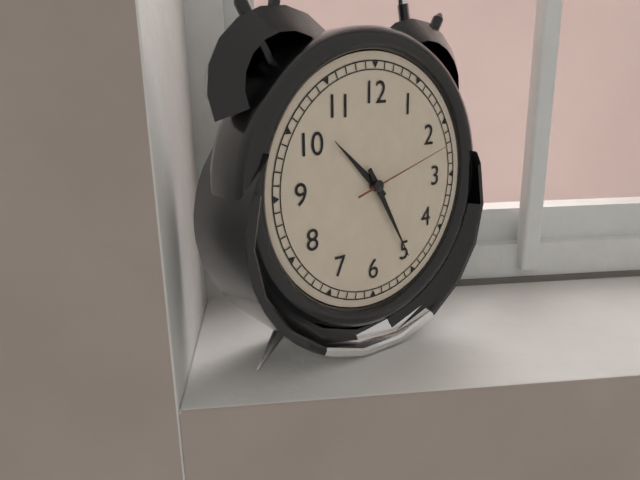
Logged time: 10 h 25 min 12 s
